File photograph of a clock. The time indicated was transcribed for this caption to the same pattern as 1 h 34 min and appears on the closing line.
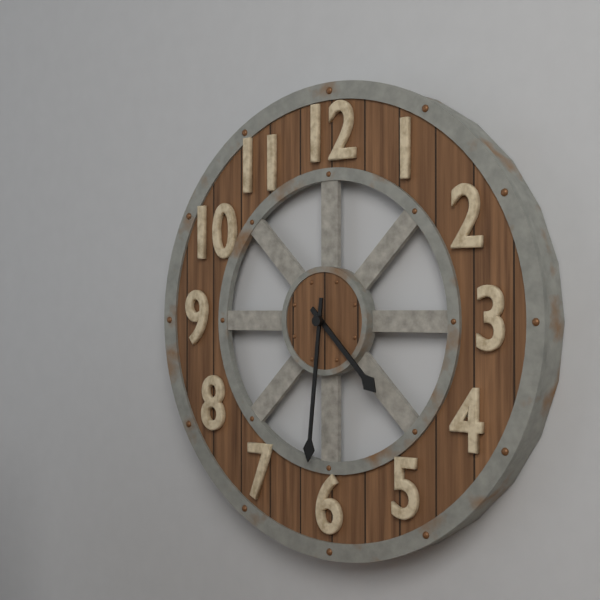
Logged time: 4 h 31 min
